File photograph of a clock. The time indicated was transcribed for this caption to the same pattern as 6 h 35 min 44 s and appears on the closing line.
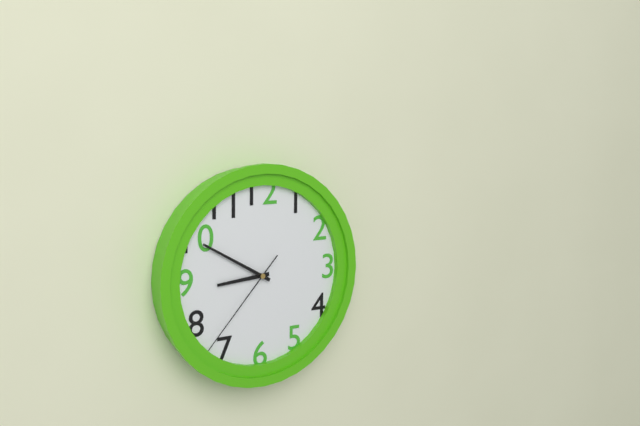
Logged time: 8 h 50 min 37 s
